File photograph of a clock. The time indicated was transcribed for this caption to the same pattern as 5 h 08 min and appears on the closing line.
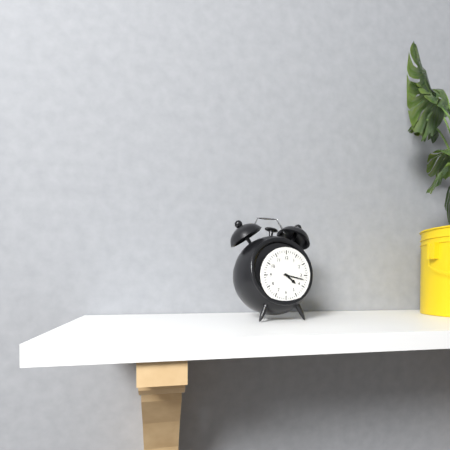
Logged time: 4 h 17 min
